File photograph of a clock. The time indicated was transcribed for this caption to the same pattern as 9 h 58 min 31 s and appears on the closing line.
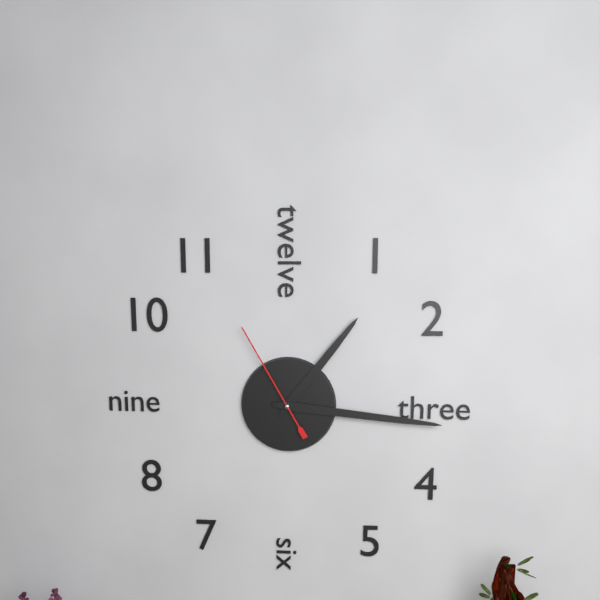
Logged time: 1 h 16 min 55 s
